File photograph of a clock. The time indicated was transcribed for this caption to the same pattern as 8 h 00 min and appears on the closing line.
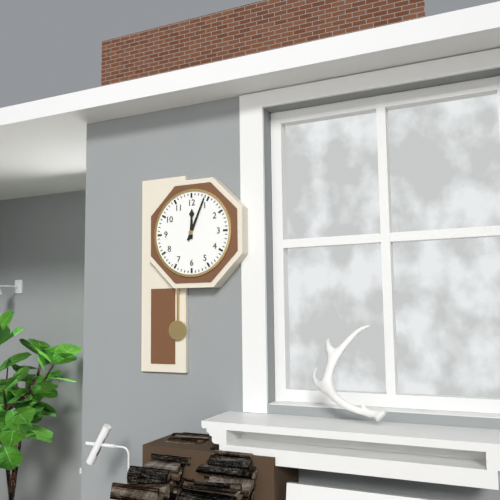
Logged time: 12 h 04 min
